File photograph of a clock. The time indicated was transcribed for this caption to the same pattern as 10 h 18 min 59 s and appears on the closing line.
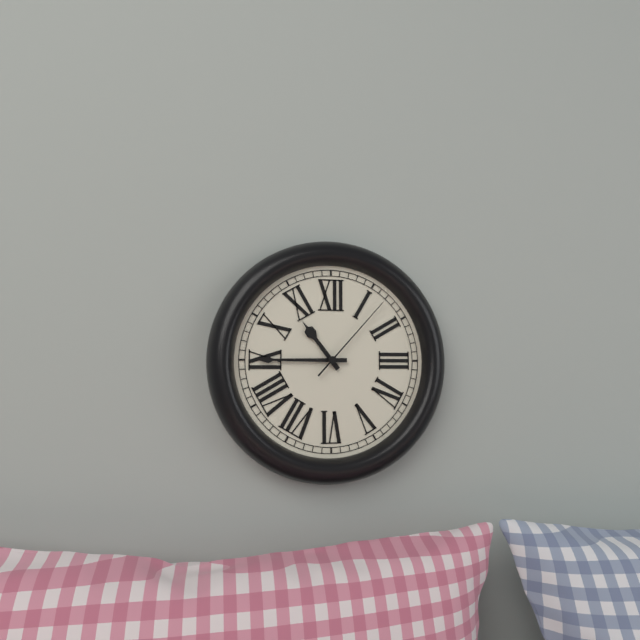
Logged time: 10 h 45 min 07 s
